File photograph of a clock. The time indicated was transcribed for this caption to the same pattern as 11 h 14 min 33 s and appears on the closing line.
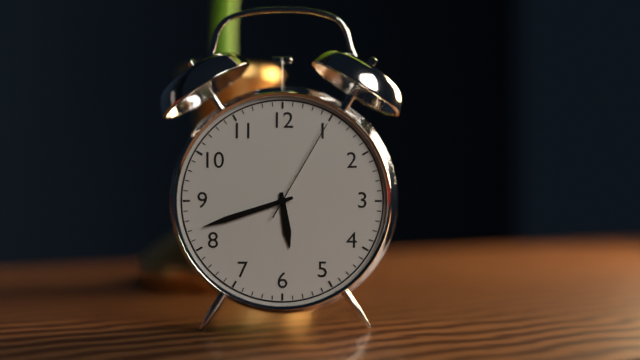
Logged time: 5 h 42 min 05 s
